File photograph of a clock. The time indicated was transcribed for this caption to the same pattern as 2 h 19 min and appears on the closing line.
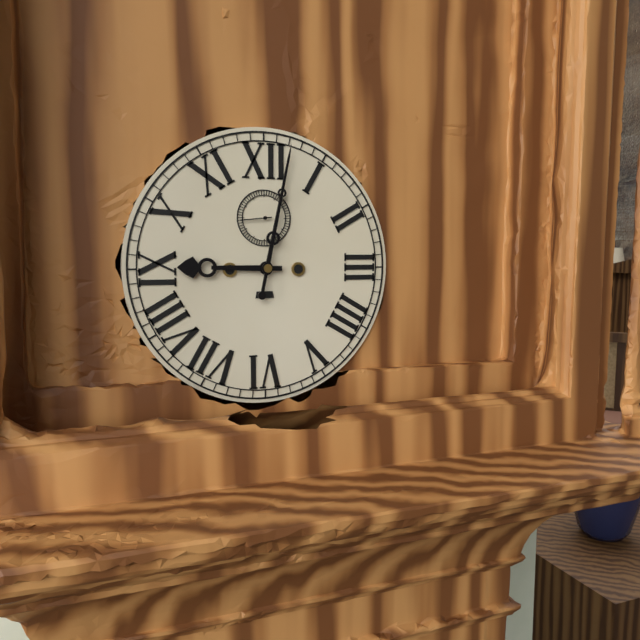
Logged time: 9 h 02 min
